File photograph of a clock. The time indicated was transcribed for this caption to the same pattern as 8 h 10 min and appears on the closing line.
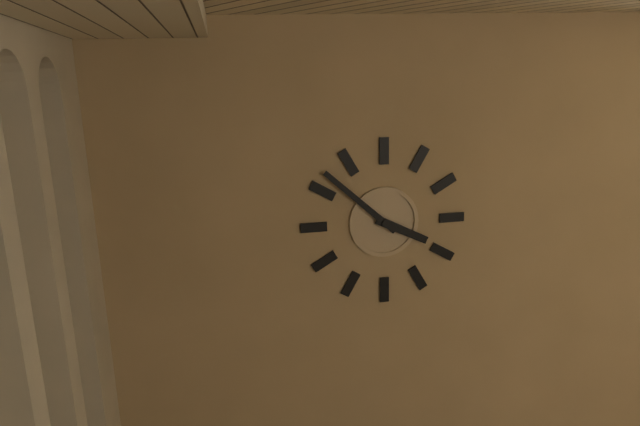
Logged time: 3 h 52 min
